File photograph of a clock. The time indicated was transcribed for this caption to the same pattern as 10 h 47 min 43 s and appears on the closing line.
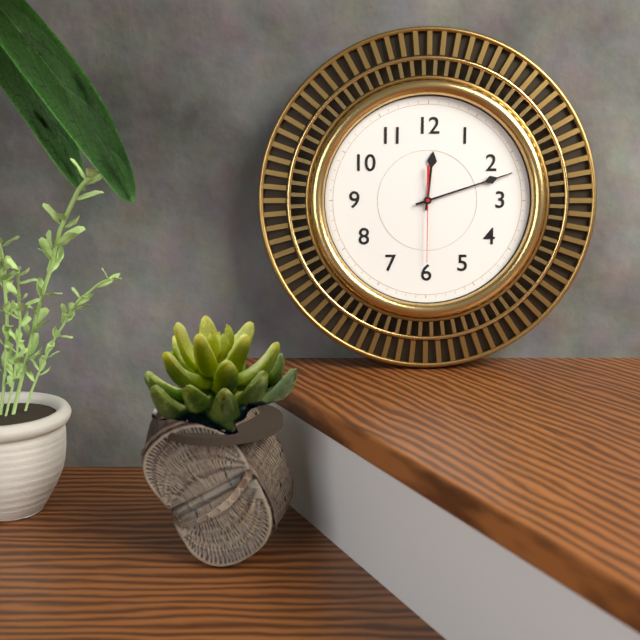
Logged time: 12 h 12 min 30 s
